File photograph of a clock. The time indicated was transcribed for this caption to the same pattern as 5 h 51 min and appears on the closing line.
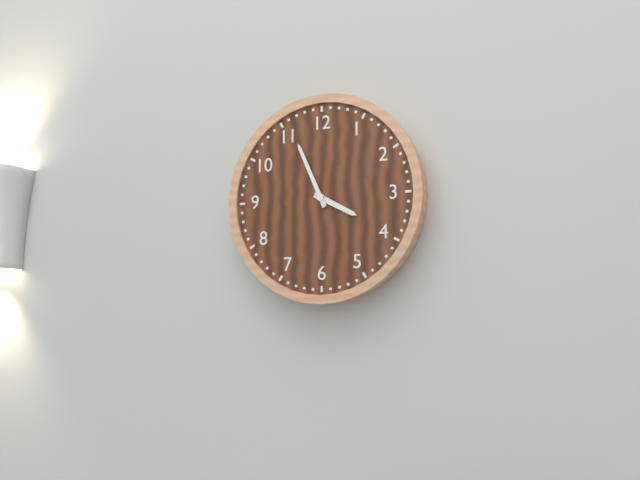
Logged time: 3 h 56 min
